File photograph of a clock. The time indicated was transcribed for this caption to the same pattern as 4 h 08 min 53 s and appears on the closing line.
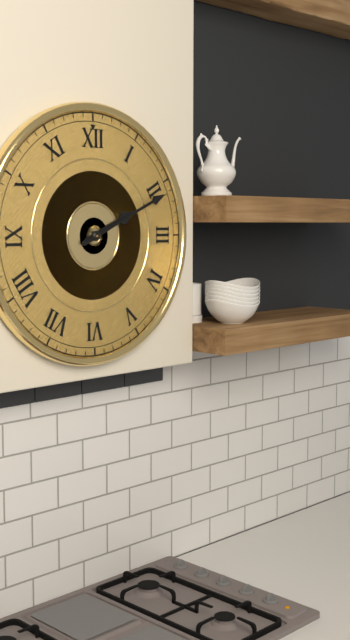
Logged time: 2 h 11 min 11 s
